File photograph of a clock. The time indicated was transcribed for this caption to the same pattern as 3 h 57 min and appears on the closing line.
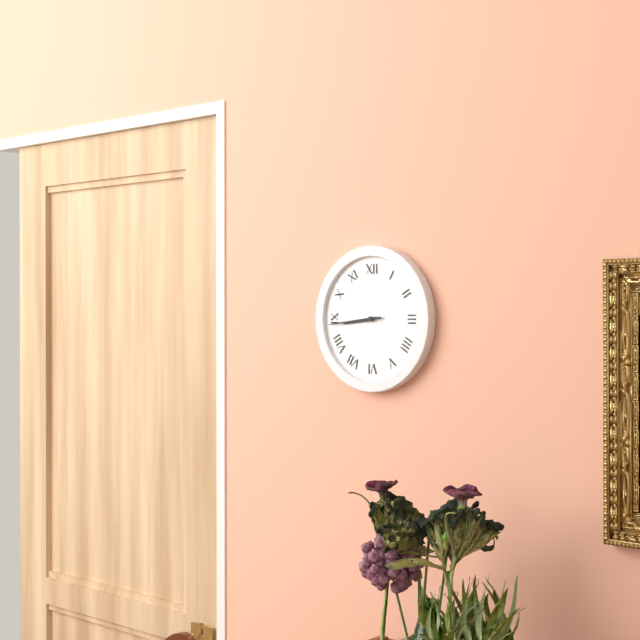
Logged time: 8 h 44 min
